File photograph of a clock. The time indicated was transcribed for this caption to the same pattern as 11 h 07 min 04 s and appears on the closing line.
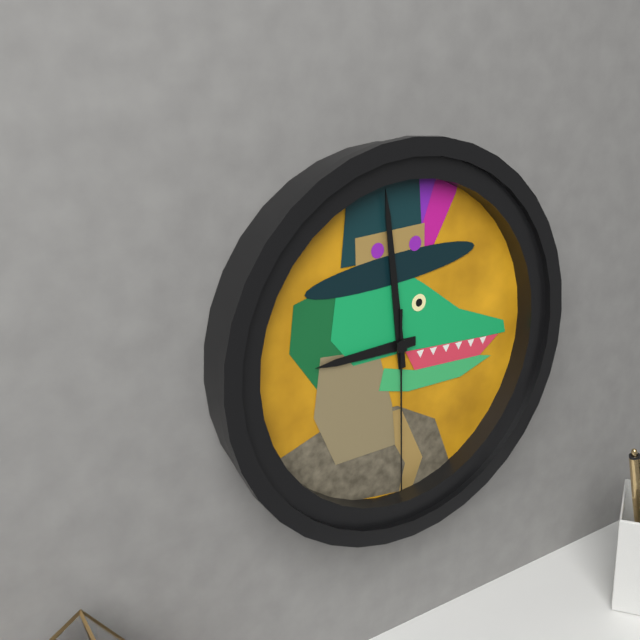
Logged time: 8 h 59 min 30 s
